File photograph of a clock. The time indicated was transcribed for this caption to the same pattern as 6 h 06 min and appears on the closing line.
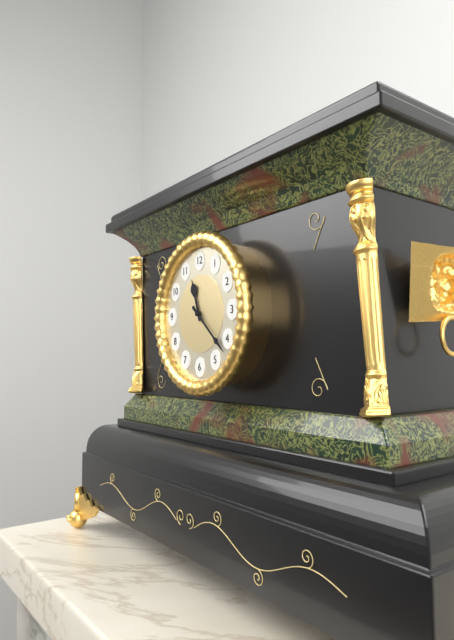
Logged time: 11 h 22 min
